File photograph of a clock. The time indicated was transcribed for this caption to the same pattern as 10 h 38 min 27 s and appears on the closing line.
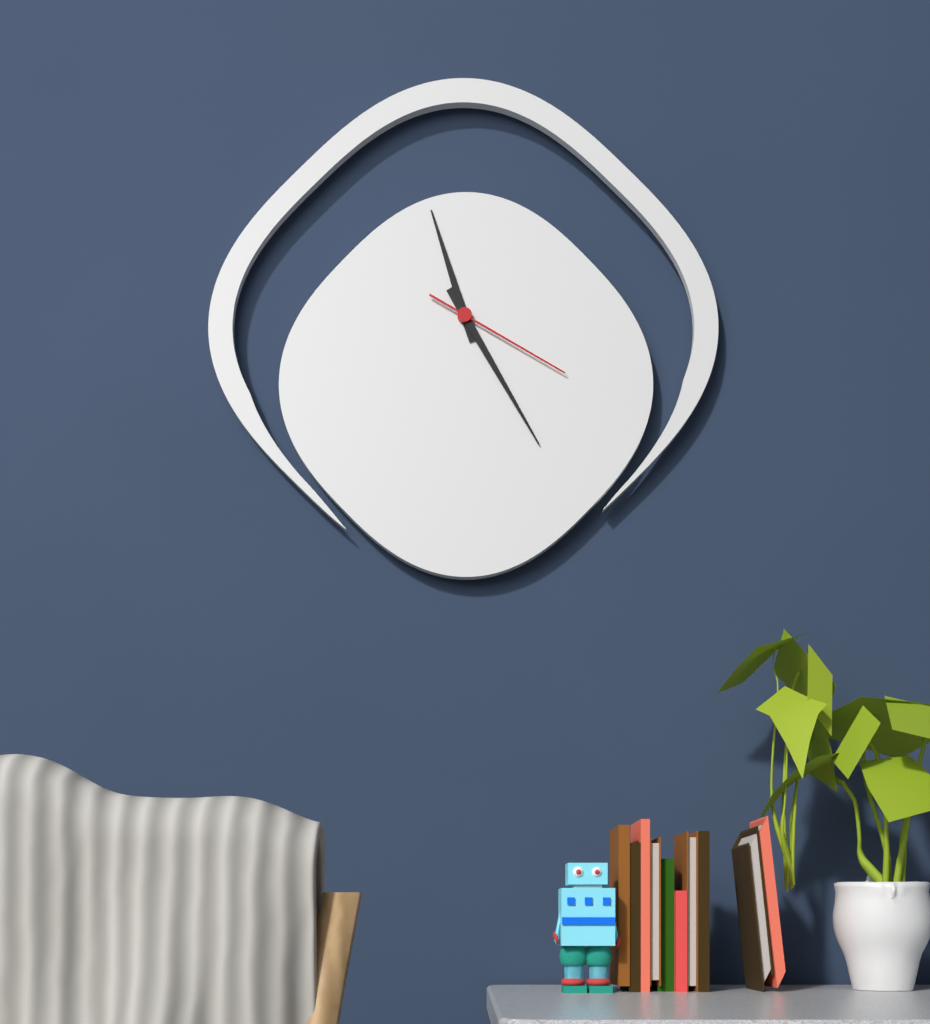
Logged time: 11 h 25 min 20 s
